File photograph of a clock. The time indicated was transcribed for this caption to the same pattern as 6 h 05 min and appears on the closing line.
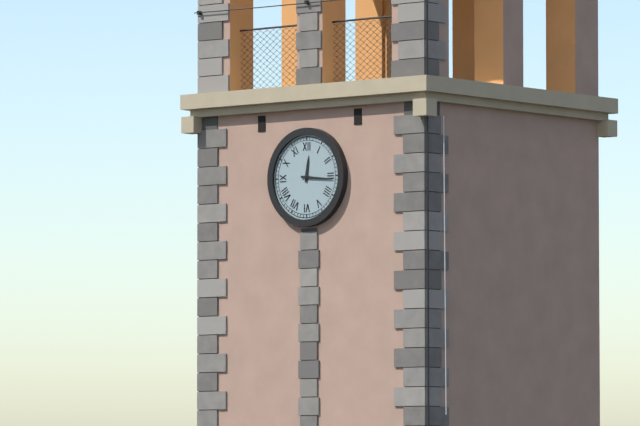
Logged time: 12 h 16 min
